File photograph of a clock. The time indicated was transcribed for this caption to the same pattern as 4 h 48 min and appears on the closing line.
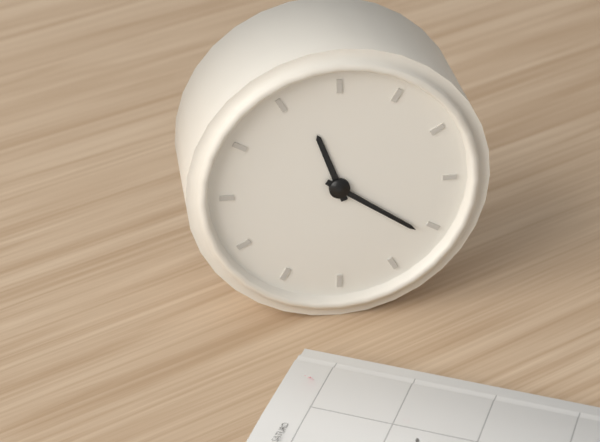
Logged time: 11 h 21 min
